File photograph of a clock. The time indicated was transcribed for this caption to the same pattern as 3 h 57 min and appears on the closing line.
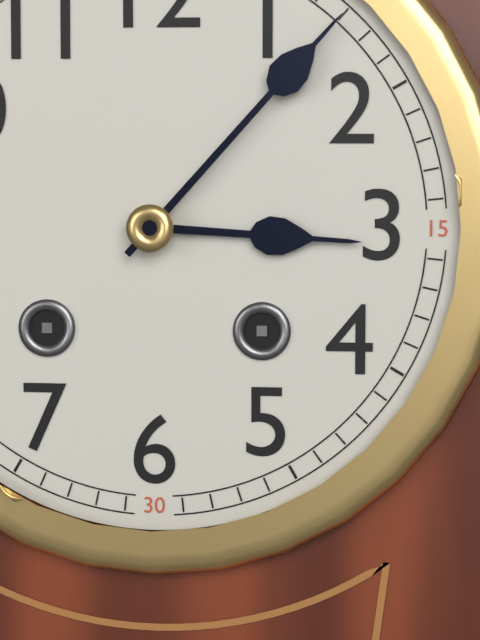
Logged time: 3 h 07 min
